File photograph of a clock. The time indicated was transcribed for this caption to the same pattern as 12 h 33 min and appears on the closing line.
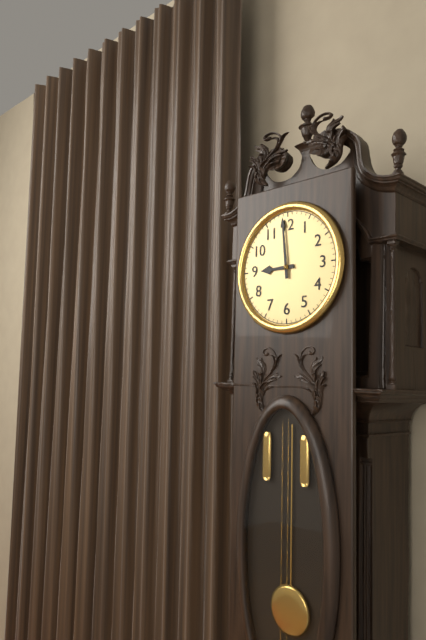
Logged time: 8 h 59 min
